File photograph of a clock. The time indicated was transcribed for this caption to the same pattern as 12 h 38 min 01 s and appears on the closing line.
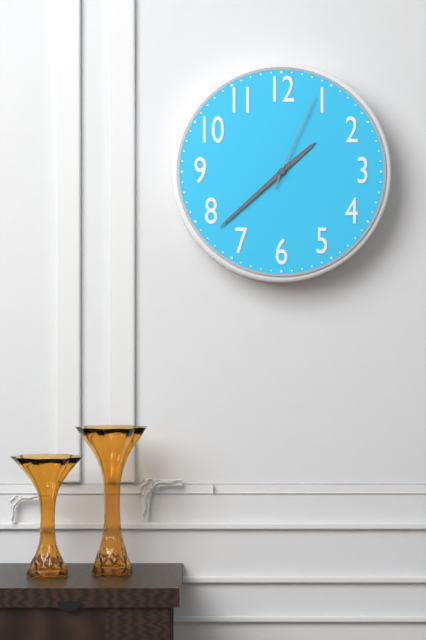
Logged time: 1 h 38 min 04 s
